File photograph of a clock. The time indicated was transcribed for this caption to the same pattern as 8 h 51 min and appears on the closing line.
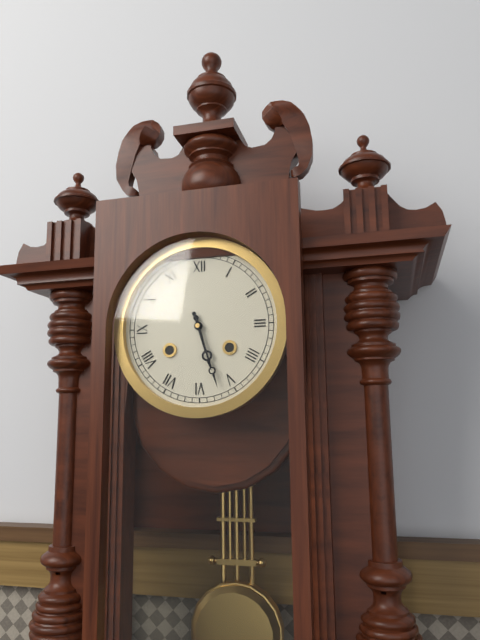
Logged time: 5 h 27 min
